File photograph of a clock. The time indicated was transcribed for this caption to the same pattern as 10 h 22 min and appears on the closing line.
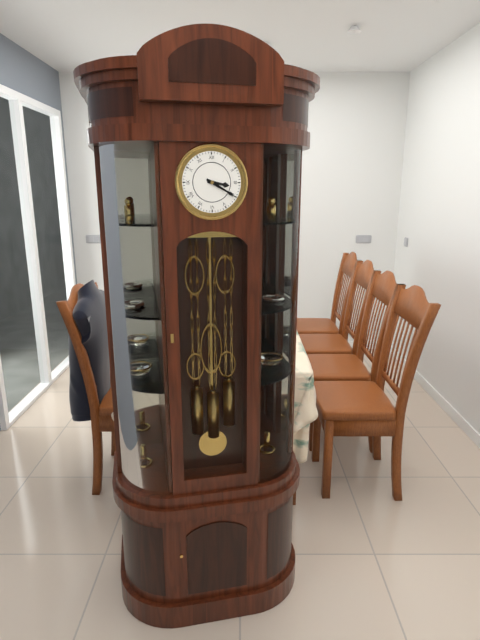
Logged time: 3 h 20 min
